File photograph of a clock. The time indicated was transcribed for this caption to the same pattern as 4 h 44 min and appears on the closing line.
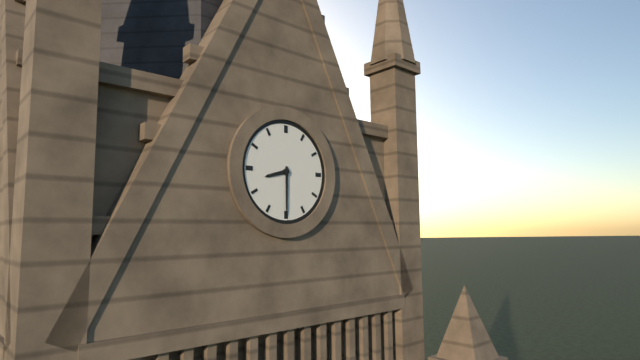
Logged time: 8 h 30 min
